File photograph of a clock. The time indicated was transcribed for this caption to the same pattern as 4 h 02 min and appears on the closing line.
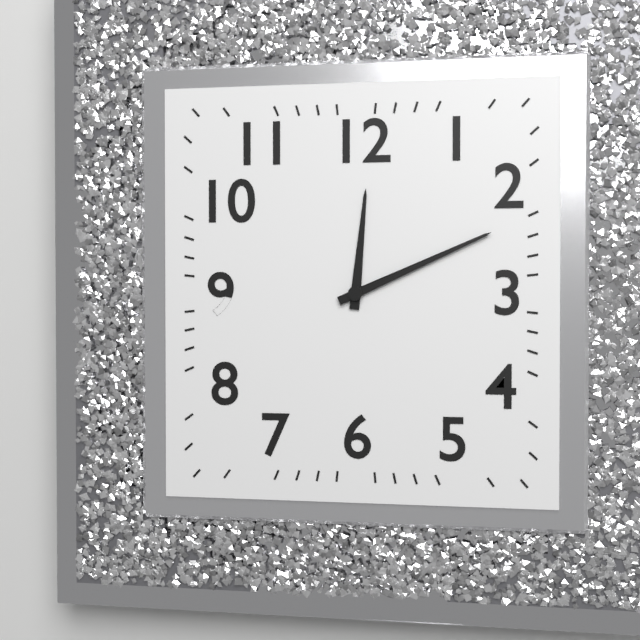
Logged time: 12 h 11 min
